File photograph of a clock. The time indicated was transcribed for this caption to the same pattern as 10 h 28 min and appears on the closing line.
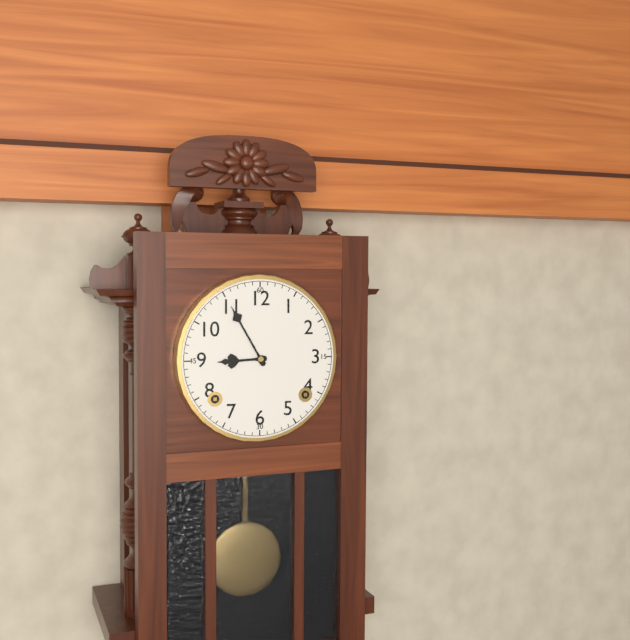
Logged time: 8 h 55 min
